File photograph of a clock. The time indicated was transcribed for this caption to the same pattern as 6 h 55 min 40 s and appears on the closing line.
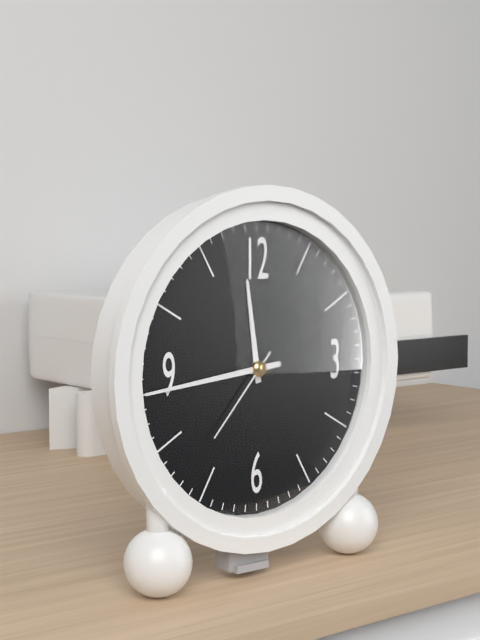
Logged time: 11 h 44 min 37 s
